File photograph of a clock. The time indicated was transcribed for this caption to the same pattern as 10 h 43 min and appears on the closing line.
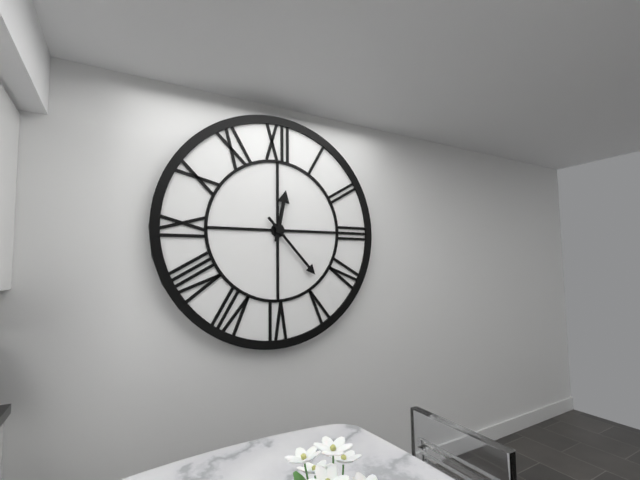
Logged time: 12 h 23 min
